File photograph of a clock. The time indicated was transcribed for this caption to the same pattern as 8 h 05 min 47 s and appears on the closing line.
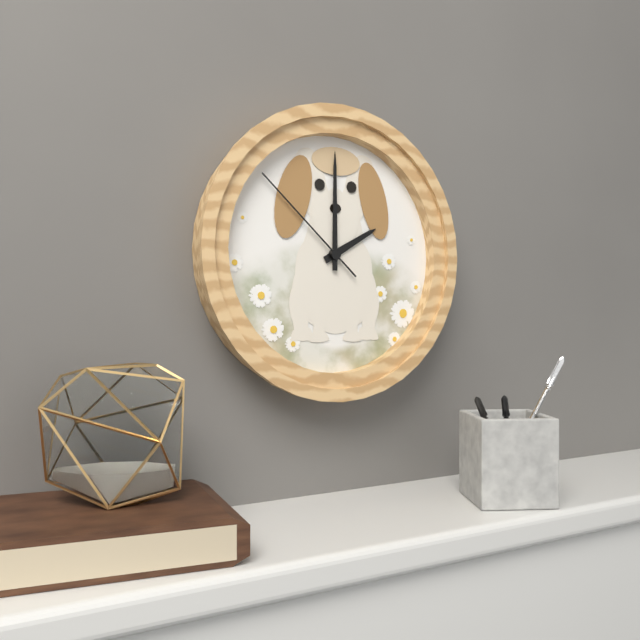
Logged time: 2 h 00 min 52 s
